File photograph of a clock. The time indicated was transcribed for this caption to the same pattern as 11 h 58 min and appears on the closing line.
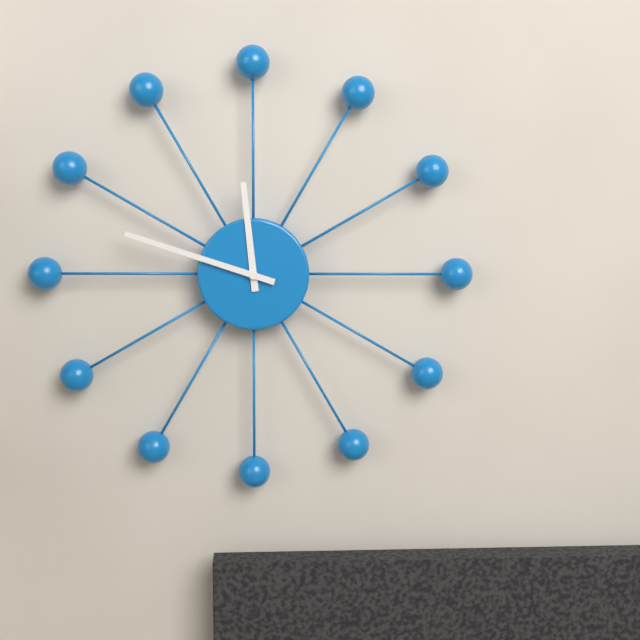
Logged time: 11 h 48 min
